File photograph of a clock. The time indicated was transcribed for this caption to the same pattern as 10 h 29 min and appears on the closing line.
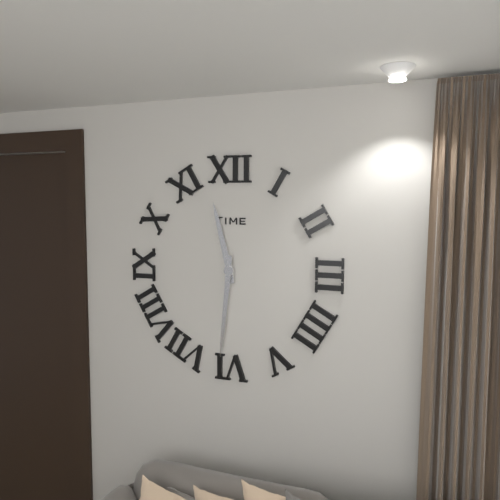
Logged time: 11 h 31 min
